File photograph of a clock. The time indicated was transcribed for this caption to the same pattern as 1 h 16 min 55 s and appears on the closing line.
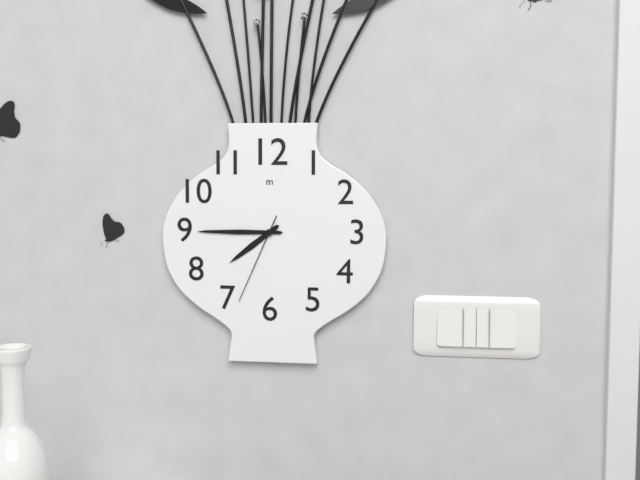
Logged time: 7 h 45 min 34 s
